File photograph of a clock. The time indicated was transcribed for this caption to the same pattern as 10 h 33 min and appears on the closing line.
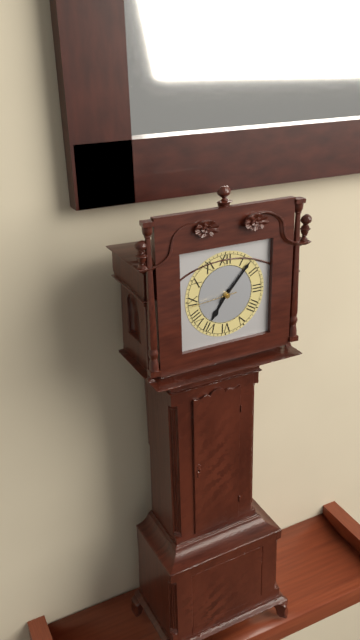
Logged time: 7 h 07 min
